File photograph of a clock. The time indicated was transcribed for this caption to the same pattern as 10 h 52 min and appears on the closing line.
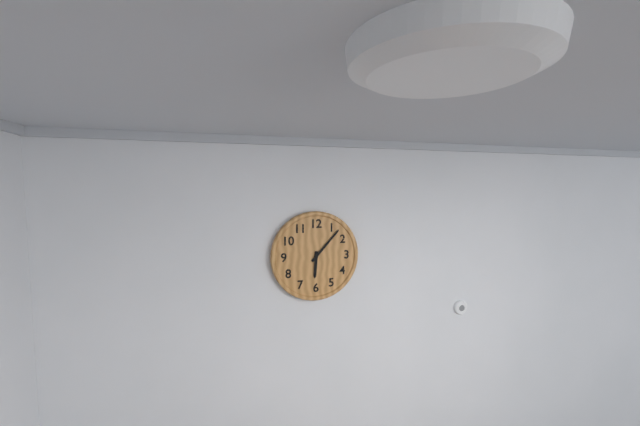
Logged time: 6 h 07 min
